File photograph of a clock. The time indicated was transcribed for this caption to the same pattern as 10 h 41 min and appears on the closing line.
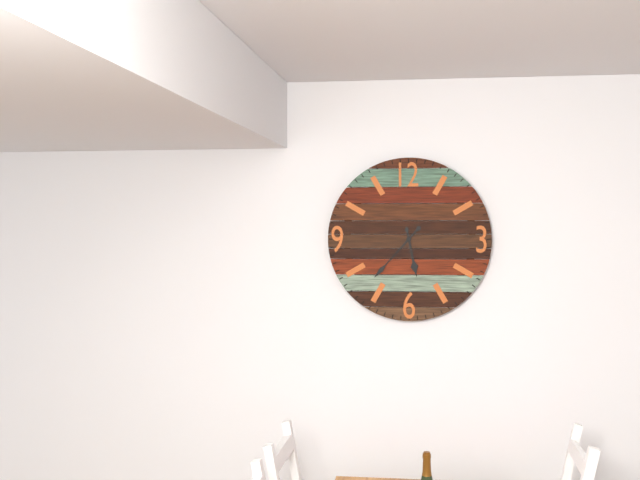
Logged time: 5 h 37 min
